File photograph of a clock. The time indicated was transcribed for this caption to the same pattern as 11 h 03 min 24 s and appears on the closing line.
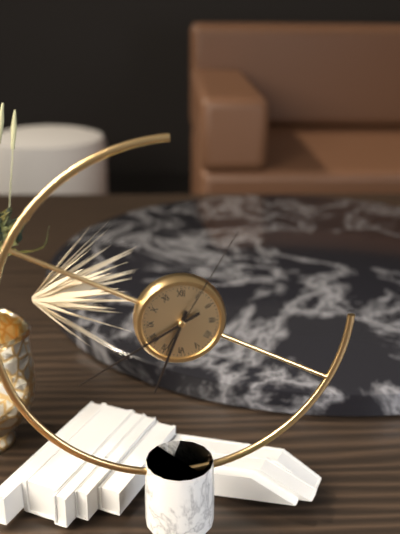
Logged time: 6 h 40 min 05 s
